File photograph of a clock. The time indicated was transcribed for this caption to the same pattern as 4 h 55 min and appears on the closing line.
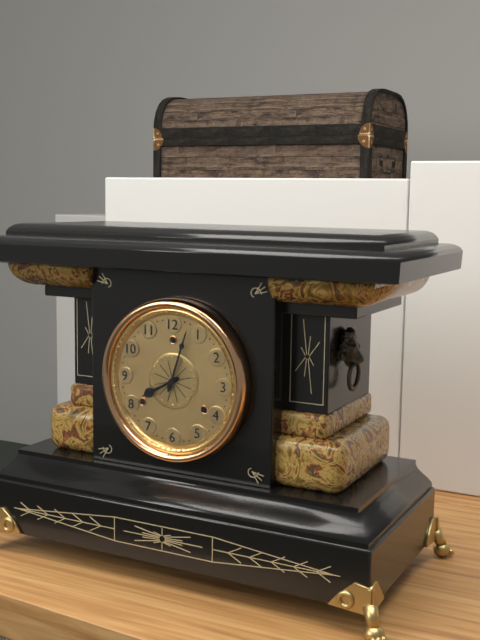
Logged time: 8 h 03 min
